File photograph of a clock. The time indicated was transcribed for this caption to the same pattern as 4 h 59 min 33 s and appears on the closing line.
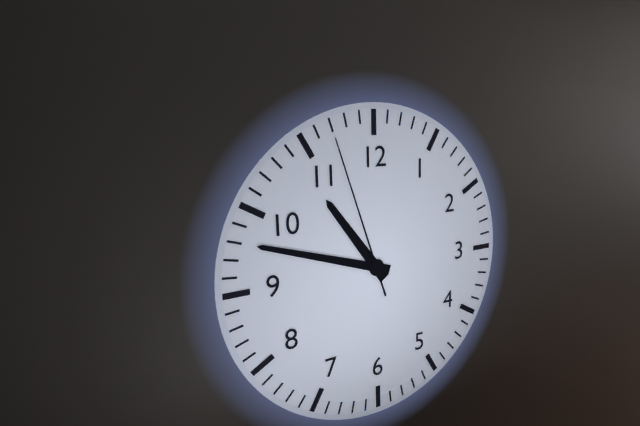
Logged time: 10 h 48 min 57 s
